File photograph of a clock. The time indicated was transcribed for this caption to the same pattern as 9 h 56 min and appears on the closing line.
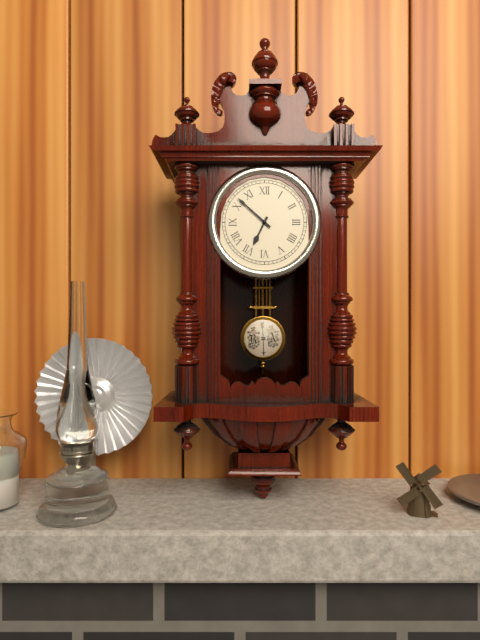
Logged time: 6 h 52 min
